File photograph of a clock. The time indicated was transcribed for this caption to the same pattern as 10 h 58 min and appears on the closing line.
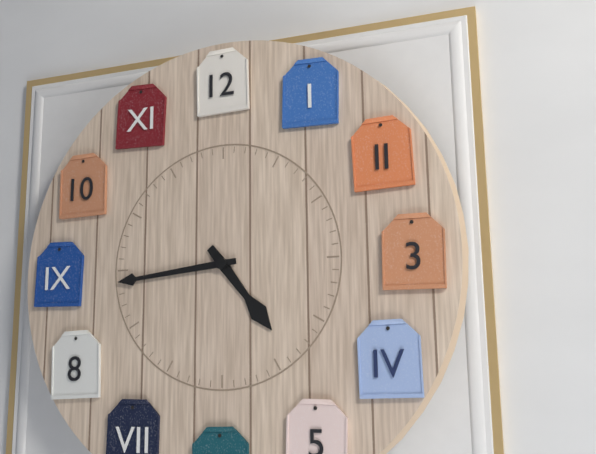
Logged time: 4 h 44 min
